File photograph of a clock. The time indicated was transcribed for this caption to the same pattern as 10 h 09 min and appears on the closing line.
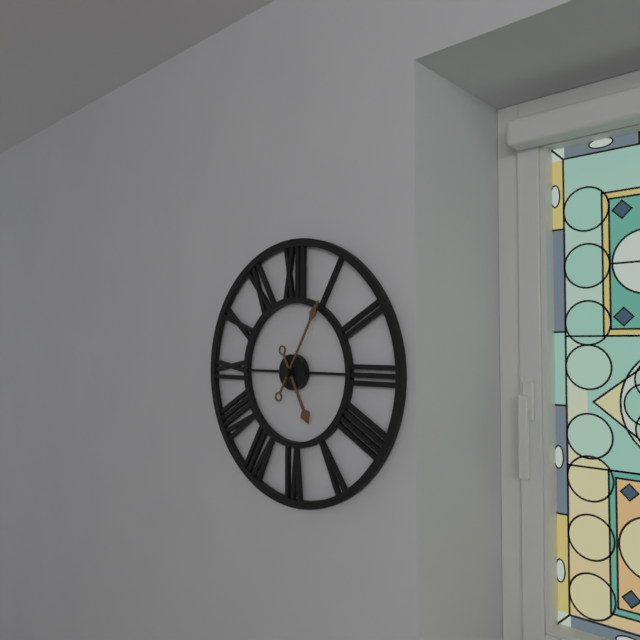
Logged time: 5 h 05 min
